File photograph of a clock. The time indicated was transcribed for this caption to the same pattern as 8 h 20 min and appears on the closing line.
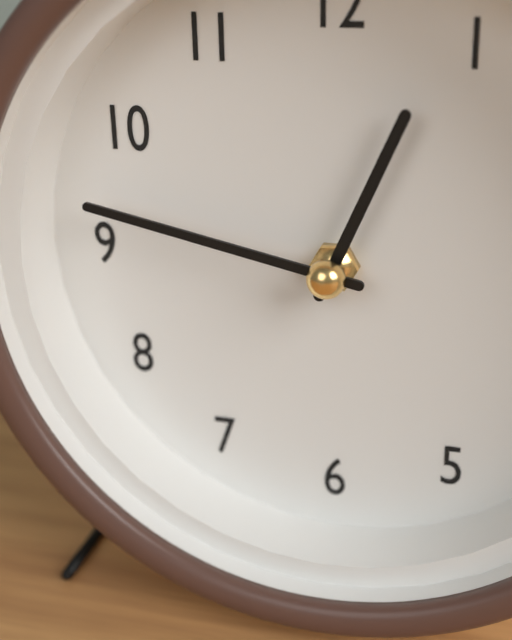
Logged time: 12 h 47 min
